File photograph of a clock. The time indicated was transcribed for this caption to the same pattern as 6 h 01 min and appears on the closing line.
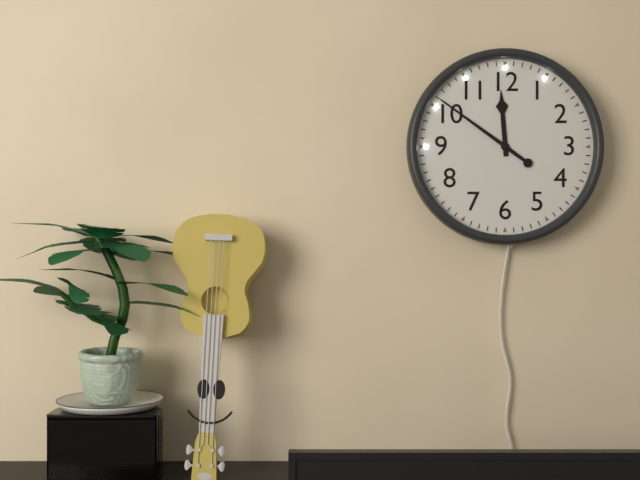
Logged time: 11 h 51 min
